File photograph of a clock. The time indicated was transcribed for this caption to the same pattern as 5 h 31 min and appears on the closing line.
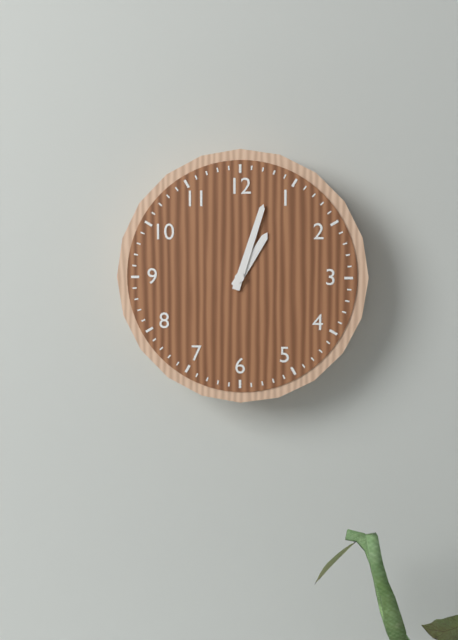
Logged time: 1 h 03 min
